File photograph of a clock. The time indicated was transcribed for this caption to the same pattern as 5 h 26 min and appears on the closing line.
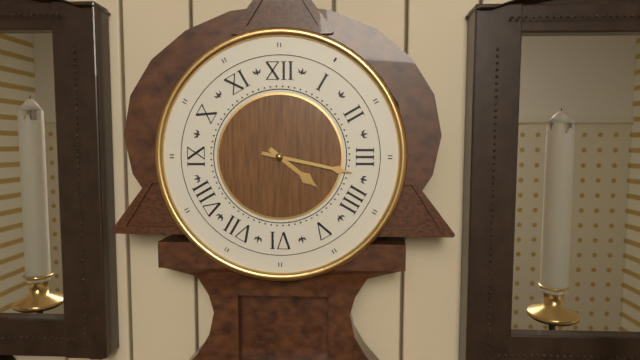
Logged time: 4 h 17 min
